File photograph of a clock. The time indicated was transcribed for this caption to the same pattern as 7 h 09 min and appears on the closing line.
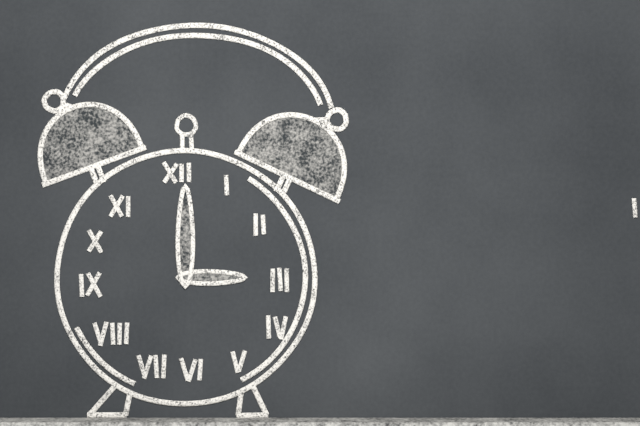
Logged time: 3 h 00 min
